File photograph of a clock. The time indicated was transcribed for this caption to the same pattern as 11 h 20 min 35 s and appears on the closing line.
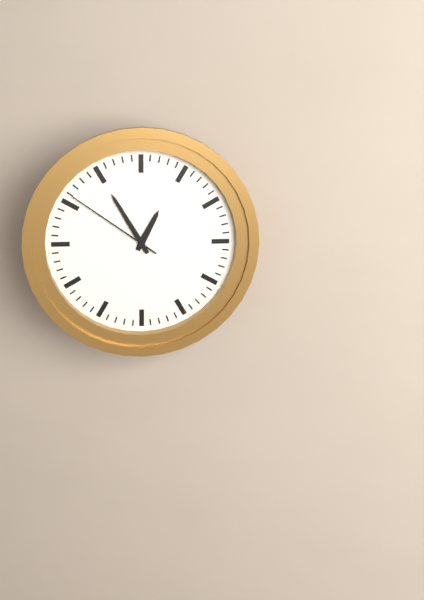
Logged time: 12 h 55 min 51 s
